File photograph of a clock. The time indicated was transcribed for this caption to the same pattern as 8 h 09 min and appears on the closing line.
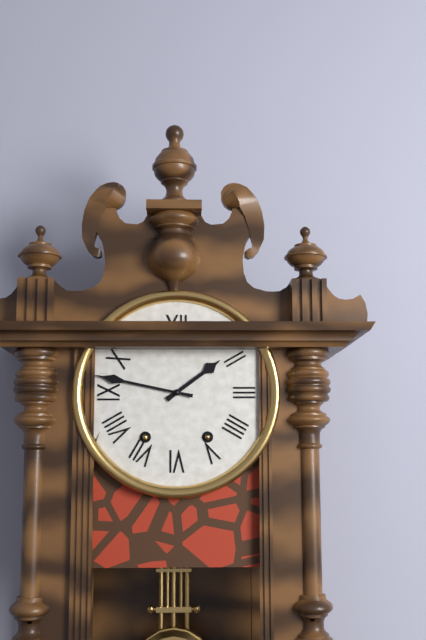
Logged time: 1 h 47 min
